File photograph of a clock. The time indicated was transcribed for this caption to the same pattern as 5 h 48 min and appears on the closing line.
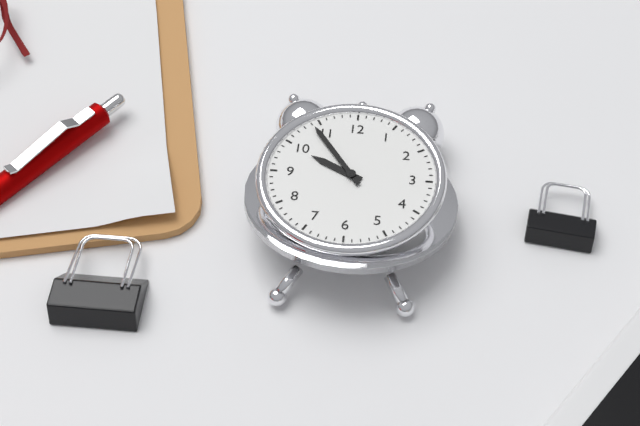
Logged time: 9 h 54 min
